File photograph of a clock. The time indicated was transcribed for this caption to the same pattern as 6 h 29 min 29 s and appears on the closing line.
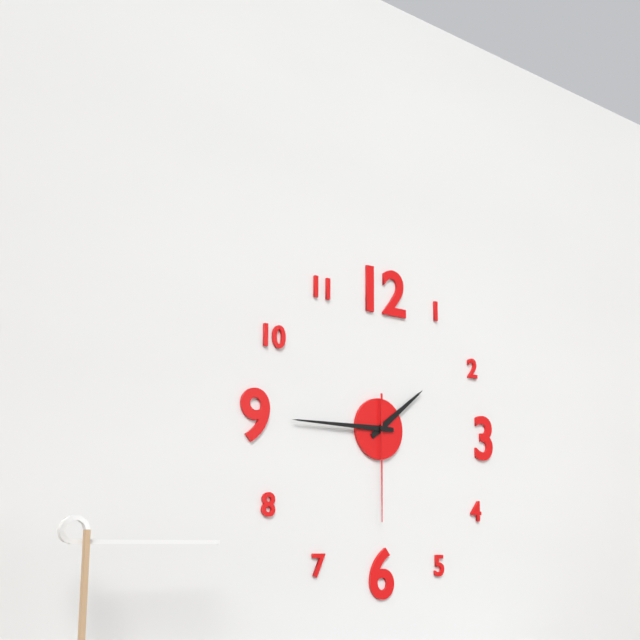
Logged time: 1 h 45 min 30 s
